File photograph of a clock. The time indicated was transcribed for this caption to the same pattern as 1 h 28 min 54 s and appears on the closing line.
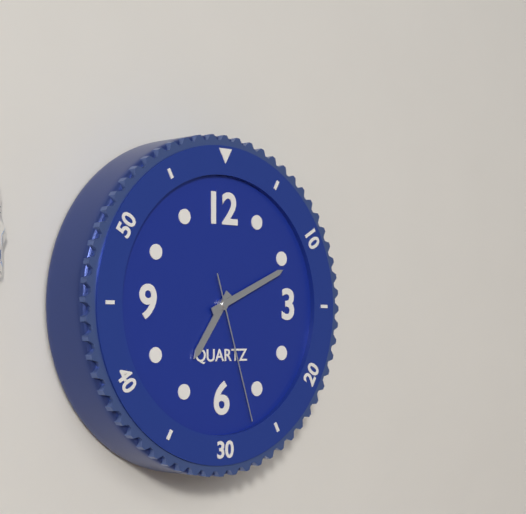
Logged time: 7 h 11 min 27 s
